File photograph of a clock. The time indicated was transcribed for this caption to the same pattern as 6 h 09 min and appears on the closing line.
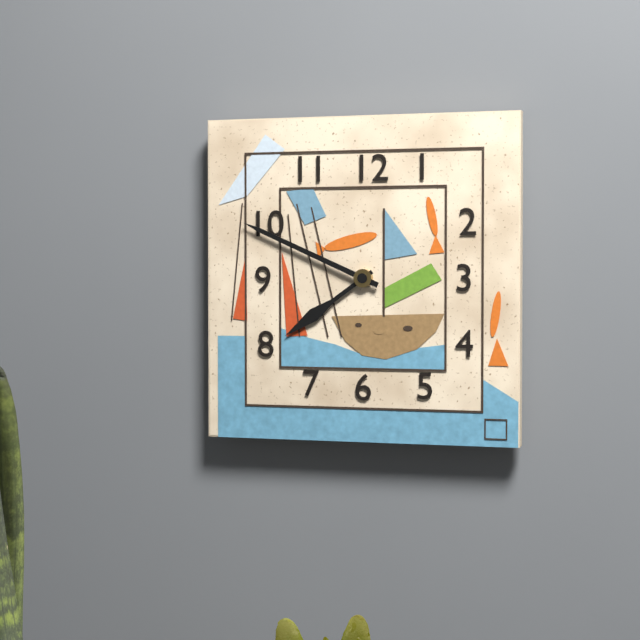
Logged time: 7 h 49 min
